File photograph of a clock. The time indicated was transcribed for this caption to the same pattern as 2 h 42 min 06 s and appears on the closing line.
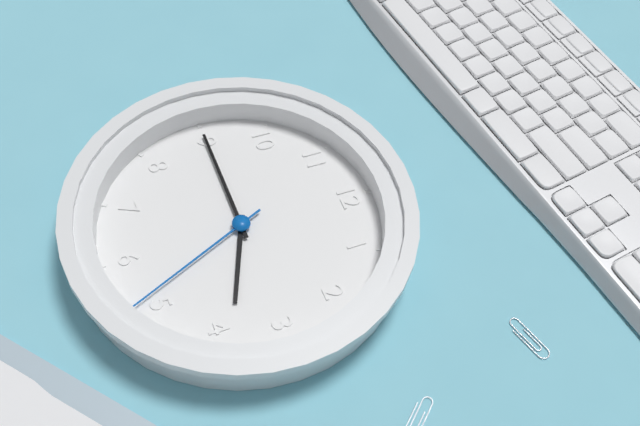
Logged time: 3 h 45 min 26 s
